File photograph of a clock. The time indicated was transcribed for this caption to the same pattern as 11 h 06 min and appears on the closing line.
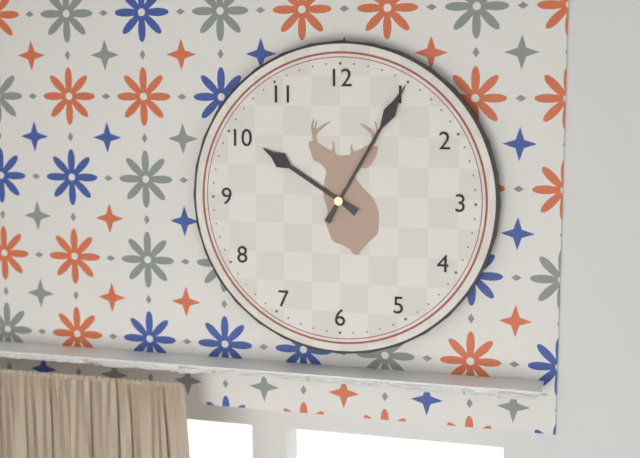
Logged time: 10 h 05 min
